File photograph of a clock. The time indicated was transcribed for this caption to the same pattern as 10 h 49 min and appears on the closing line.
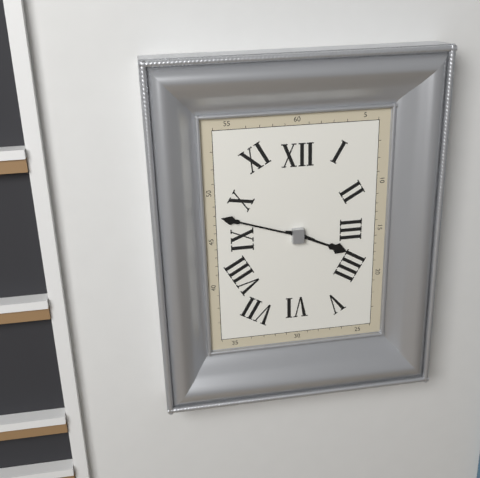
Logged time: 3 h 48 min
